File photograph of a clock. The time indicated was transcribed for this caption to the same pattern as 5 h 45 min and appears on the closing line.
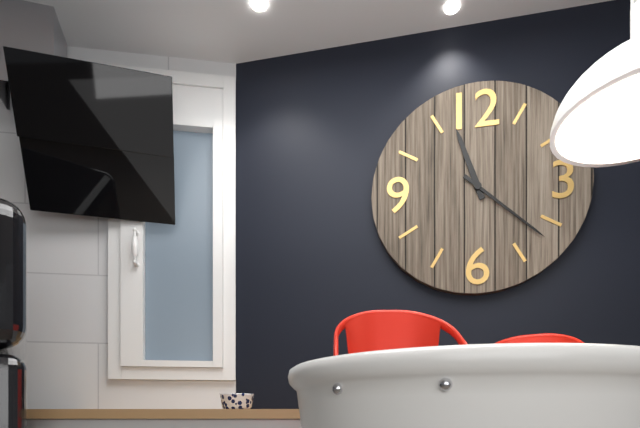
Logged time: 11 h 22 min
